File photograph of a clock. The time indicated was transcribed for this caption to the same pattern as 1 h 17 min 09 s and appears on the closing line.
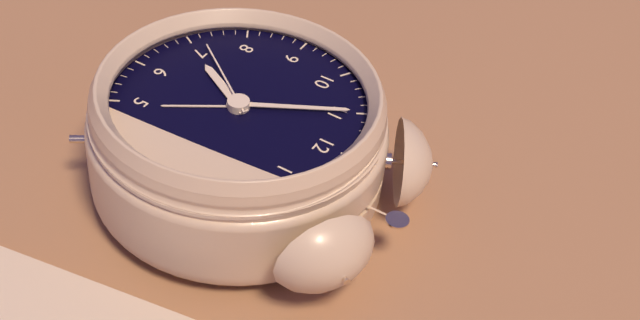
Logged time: 6 h 55 min 36 s
